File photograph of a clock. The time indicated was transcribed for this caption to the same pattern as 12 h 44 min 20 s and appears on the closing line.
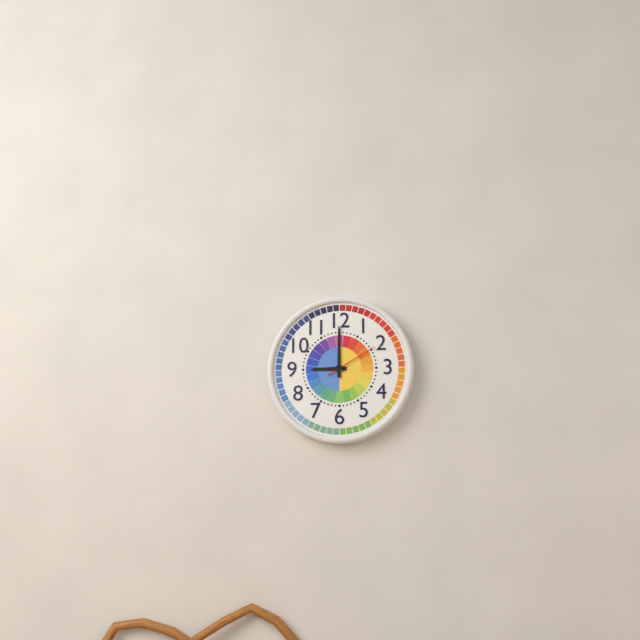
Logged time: 9 h 00 min 10 s
